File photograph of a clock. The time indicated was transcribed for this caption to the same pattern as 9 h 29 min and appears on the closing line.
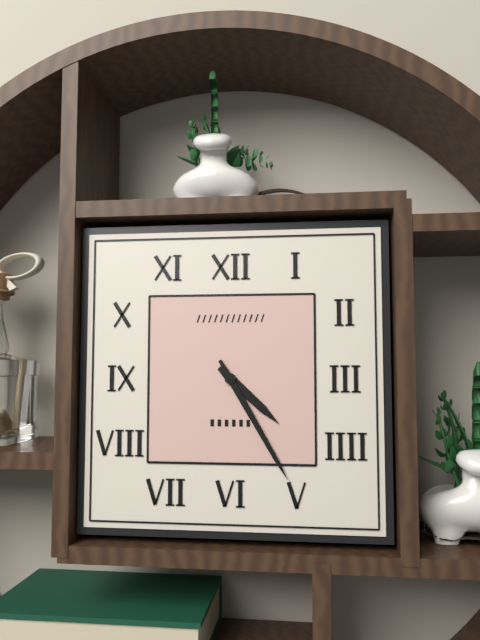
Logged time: 4 h 25 min
